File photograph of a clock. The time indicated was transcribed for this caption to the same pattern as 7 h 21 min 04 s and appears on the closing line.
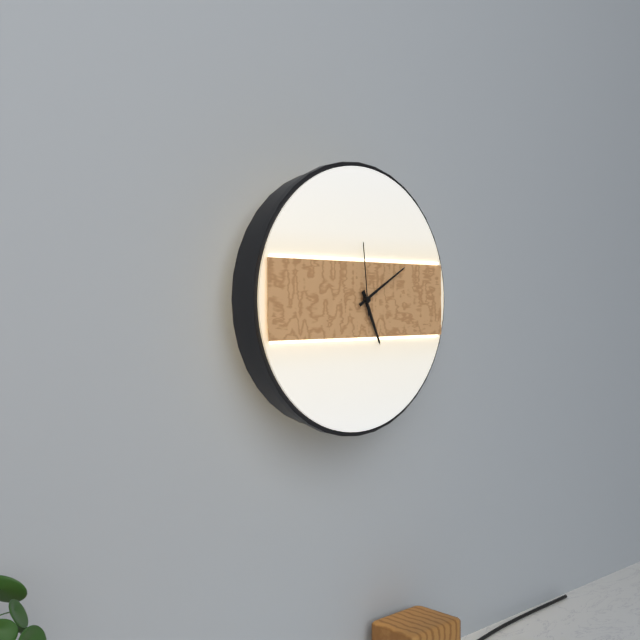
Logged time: 5 h 10 min 59 s
